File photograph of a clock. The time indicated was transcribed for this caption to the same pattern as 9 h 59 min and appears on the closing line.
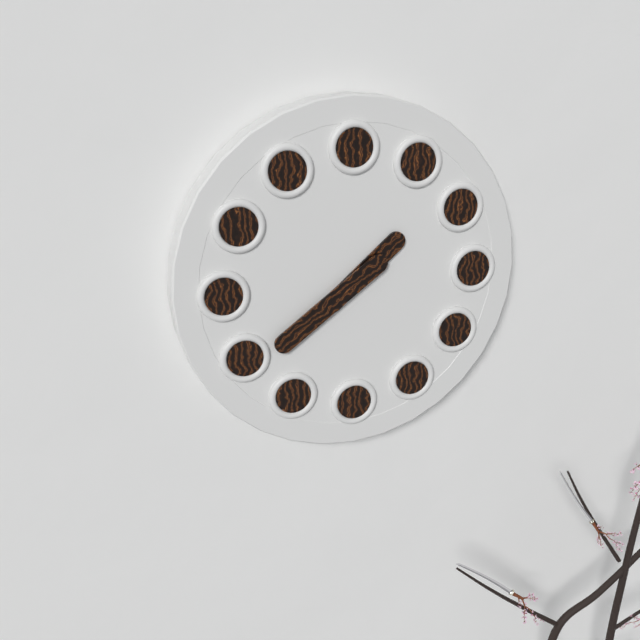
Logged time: 1 h 39 min
